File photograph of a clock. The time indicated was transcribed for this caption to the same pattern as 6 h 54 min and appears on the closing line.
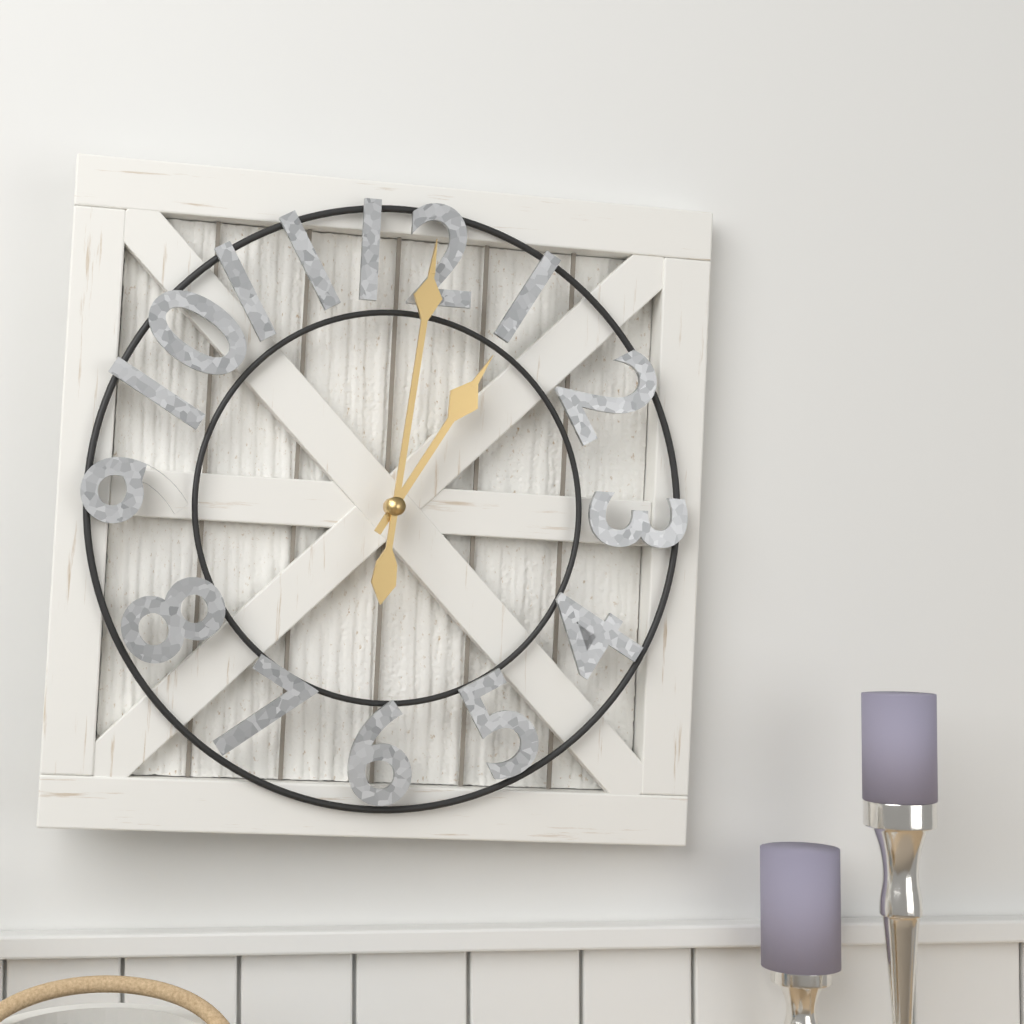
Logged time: 1 h 01 min
